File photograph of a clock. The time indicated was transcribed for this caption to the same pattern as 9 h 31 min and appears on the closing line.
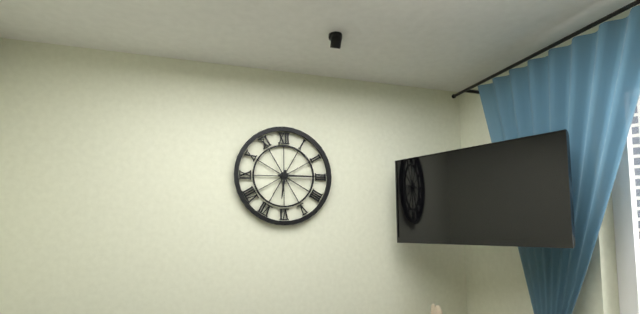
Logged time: 6 h 15 min
